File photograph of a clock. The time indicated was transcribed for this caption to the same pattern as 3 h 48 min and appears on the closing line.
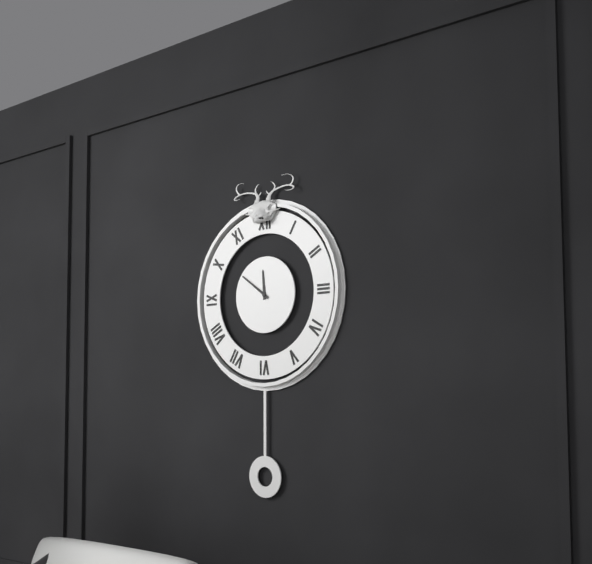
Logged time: 11 h 51 min
